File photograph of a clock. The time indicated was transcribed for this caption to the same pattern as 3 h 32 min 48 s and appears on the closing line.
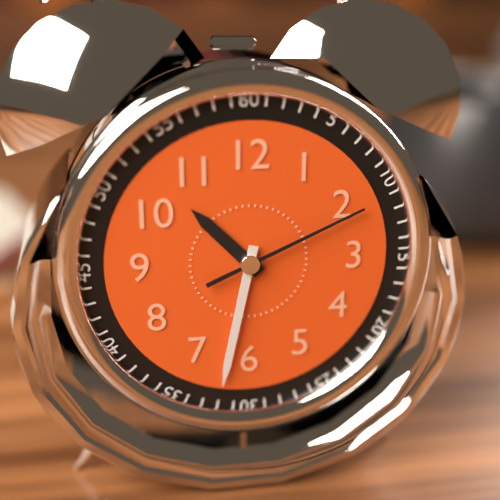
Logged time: 10 h 32 min 11 s
